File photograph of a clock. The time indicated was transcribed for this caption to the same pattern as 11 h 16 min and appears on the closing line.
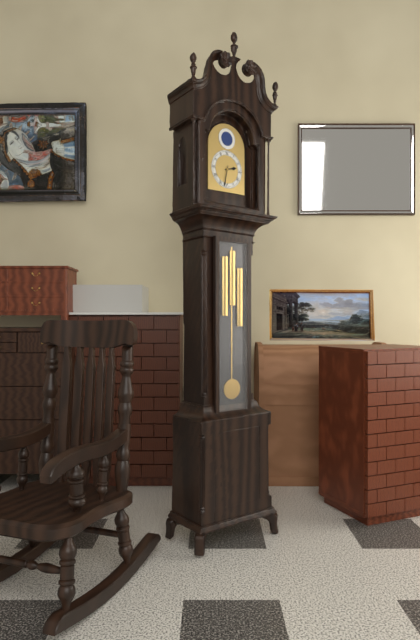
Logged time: 2 h 32 min
